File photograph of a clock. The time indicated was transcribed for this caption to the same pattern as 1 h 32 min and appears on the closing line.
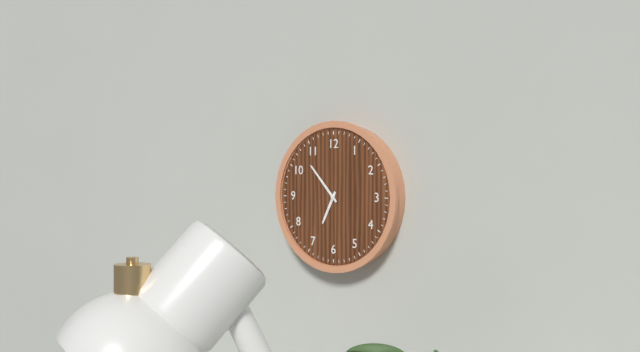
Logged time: 6 h 53 min
